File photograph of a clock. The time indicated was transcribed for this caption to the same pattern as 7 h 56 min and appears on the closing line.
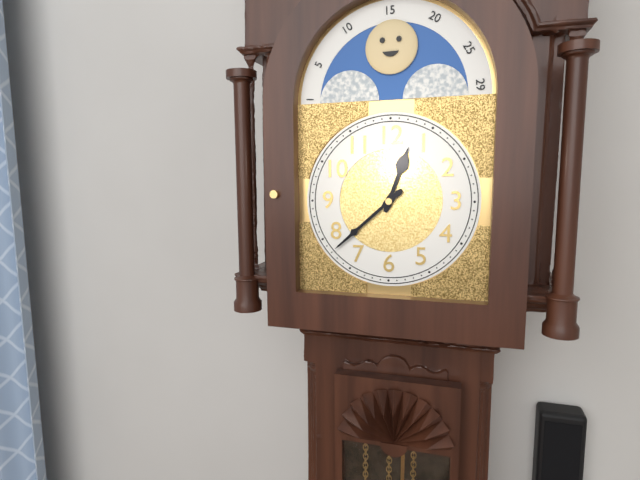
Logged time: 12 h 38 min
